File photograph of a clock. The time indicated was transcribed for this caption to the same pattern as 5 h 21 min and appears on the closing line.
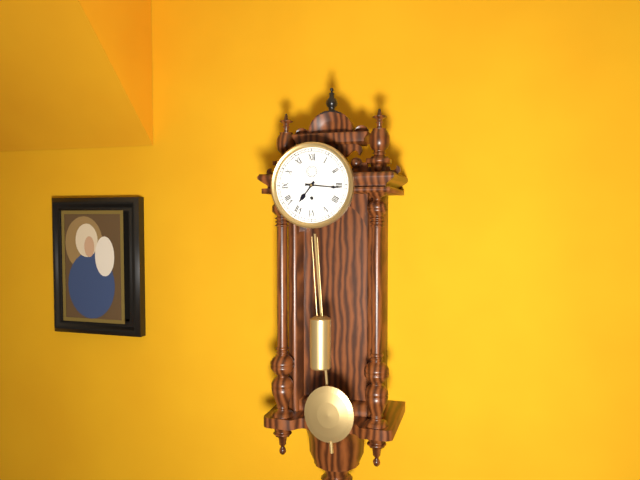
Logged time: 7 h 16 min
